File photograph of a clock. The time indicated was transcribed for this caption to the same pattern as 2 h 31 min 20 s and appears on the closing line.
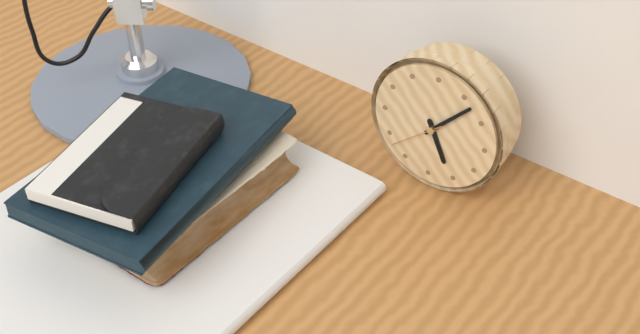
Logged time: 5 h 07 min 38 s
